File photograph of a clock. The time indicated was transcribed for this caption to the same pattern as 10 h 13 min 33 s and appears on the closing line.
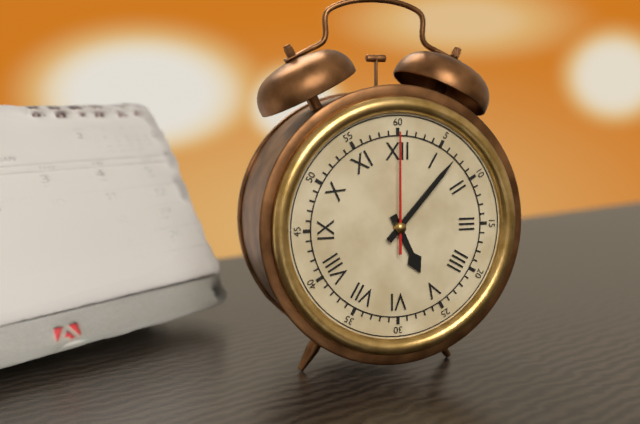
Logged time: 5 h 07 min 00 s
